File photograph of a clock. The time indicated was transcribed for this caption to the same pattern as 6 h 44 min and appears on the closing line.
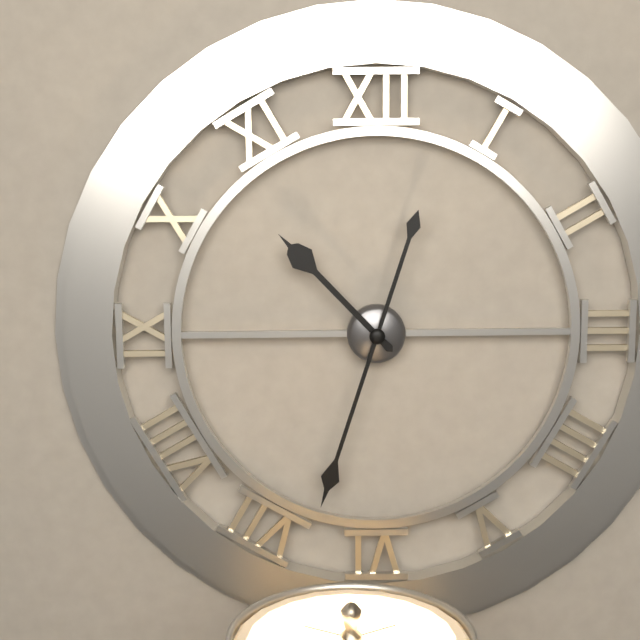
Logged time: 10 h 33 min
